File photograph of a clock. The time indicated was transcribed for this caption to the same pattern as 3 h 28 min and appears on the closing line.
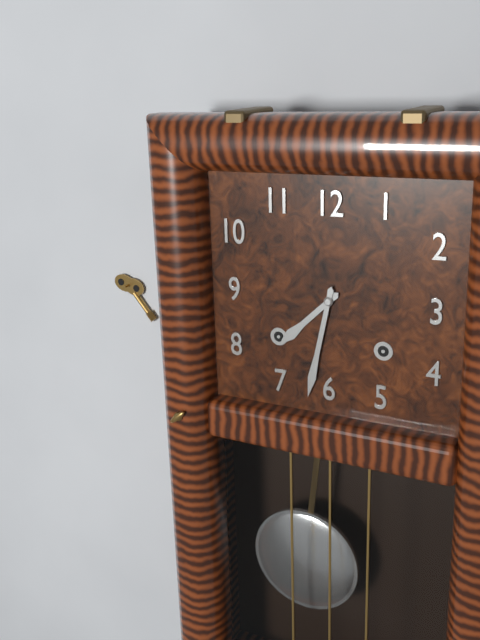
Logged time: 7 h 32 min
